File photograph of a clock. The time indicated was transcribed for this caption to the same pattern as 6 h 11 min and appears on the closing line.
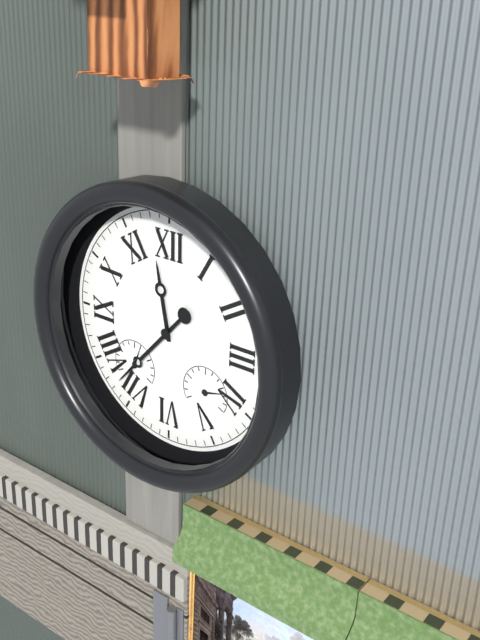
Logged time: 11 h 37 min
